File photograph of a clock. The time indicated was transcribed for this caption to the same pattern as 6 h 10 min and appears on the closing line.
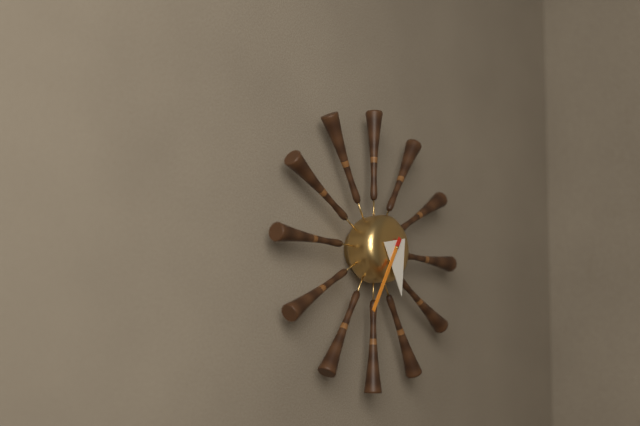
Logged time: 5 h 35 min
